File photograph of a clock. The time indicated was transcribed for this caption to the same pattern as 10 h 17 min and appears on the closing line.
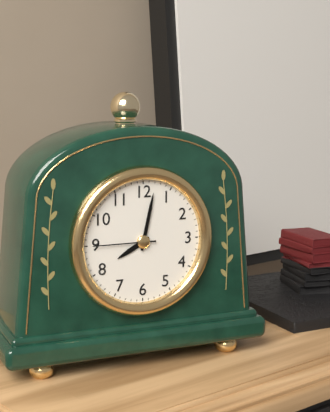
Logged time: 8 h 02 min
